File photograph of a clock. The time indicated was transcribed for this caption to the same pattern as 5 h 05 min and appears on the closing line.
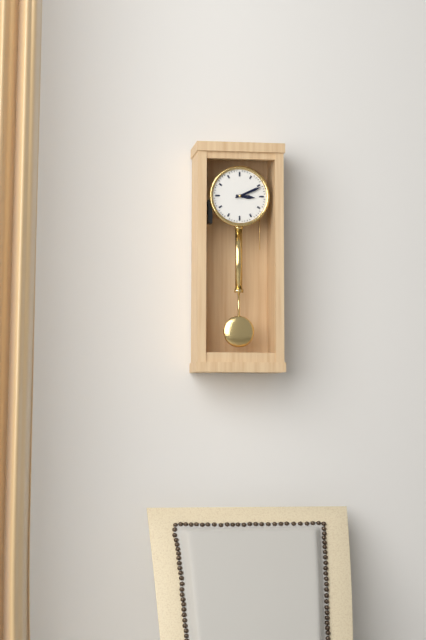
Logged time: 3 h 11 min
